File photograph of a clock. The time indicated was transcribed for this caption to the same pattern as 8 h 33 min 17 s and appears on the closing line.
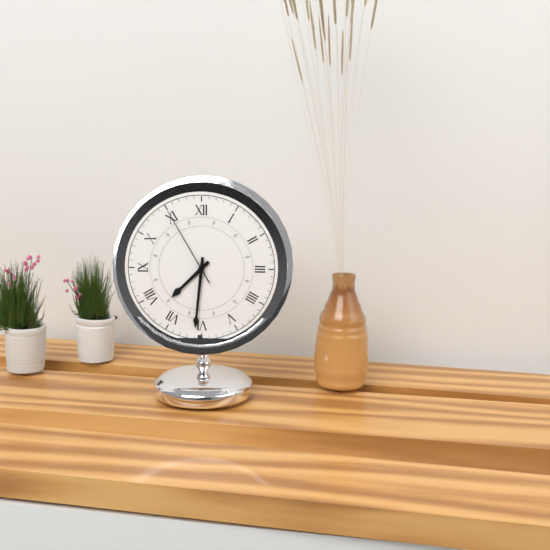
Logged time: 7 h 31 min 55 s
